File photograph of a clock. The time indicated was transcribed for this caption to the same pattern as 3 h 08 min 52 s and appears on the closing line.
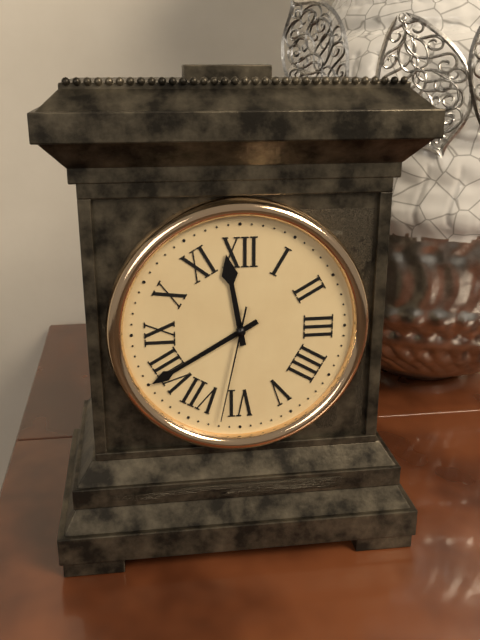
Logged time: 11 h 40 min 32 s
